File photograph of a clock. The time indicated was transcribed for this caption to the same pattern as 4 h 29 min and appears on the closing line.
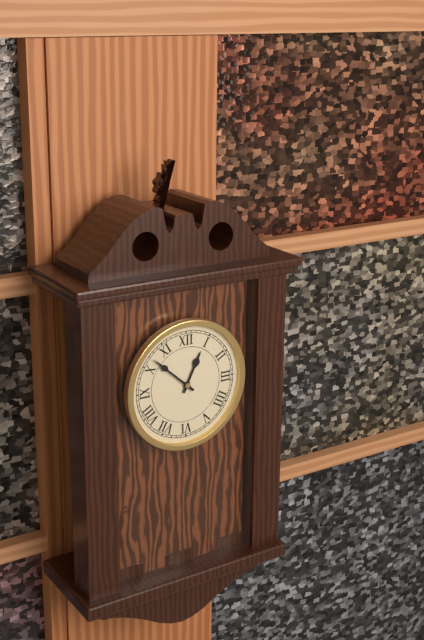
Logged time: 12 h 52 min
